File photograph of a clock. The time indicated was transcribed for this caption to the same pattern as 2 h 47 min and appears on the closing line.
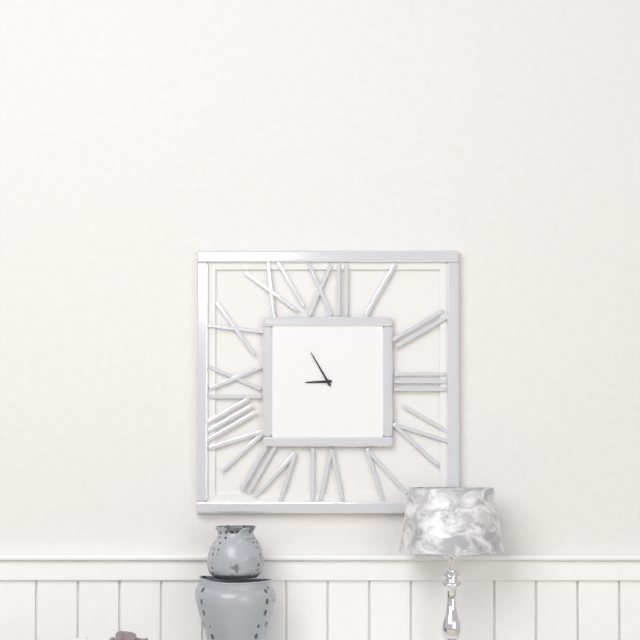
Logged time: 8 h 55 min
